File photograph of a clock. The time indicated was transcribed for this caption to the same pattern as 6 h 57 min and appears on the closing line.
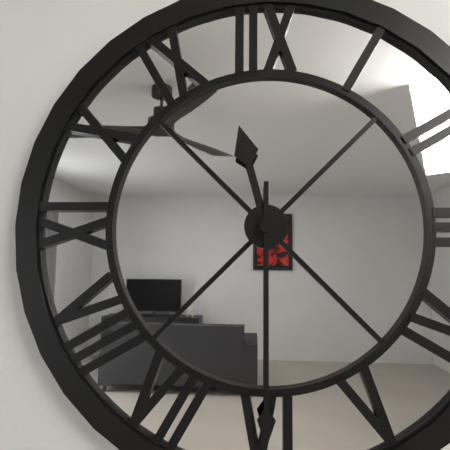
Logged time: 11 h 30 min
